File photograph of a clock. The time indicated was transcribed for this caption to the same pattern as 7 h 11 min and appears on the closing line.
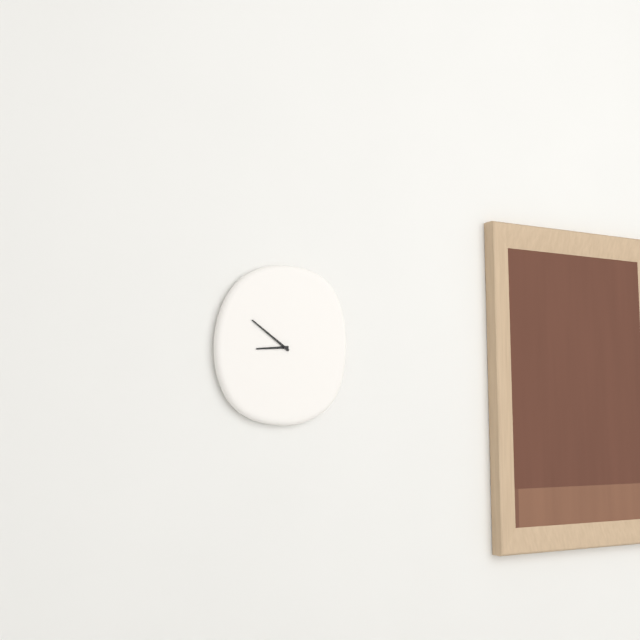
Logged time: 8 h 51 min
